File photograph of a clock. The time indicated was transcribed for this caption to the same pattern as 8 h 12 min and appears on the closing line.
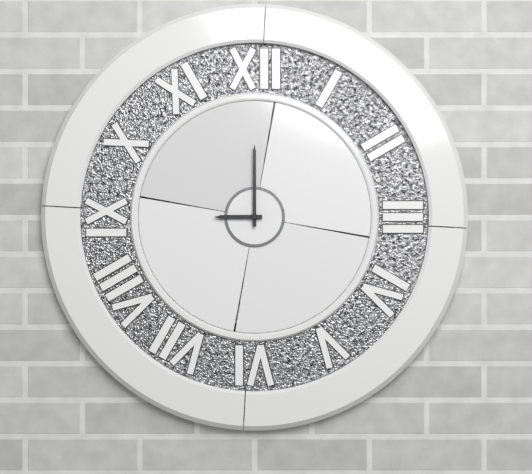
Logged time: 9 h 00 min
